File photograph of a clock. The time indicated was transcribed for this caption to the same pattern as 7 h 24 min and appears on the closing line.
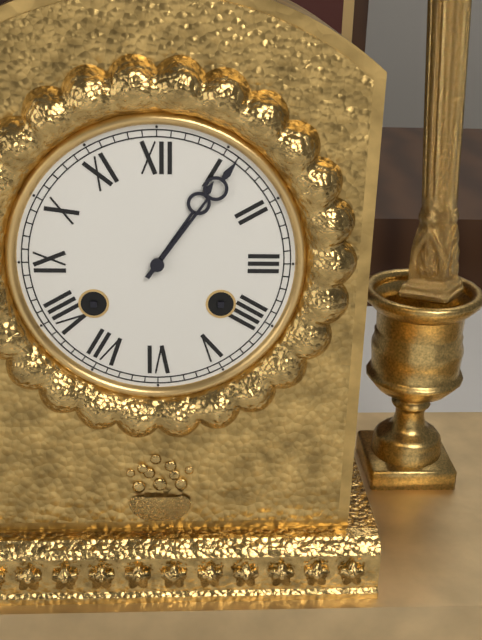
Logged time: 1 h 06 min
